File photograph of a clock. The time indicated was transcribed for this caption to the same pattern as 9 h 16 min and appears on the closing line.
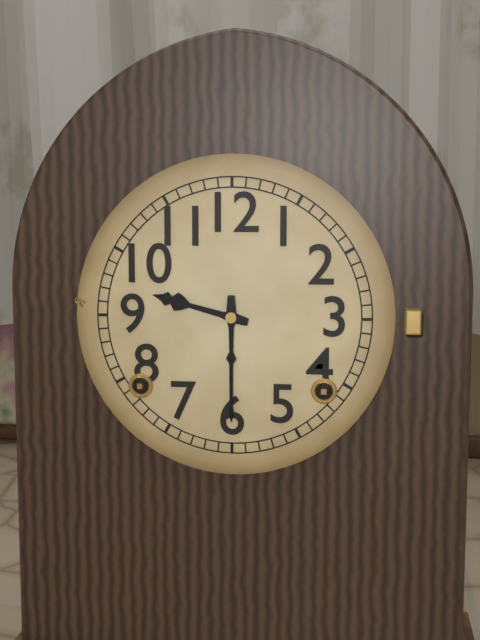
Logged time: 9 h 30 min
